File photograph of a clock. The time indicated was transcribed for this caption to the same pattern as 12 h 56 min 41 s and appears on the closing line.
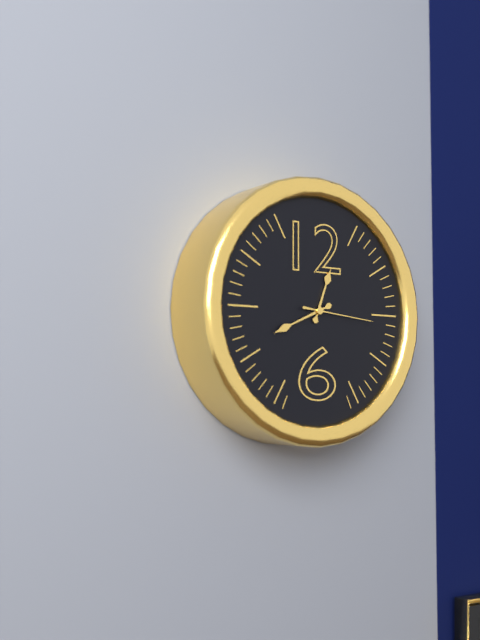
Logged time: 12 h 41 min 16 s
